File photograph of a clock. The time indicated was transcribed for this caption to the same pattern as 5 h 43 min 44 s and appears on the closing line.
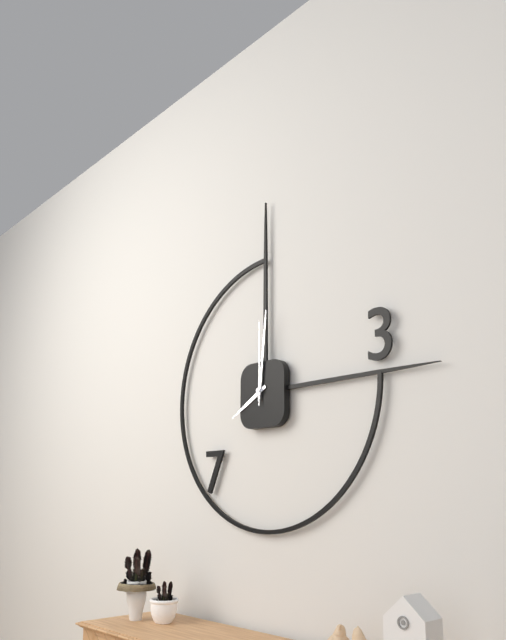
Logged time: 8 h 01 min 00 s
